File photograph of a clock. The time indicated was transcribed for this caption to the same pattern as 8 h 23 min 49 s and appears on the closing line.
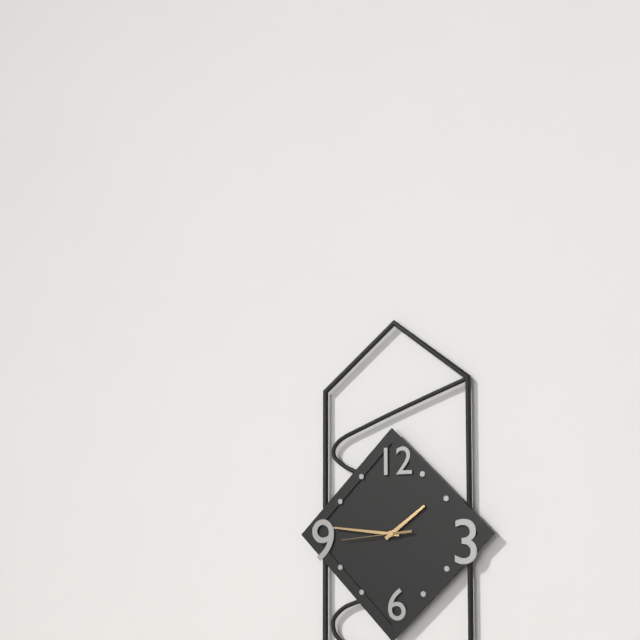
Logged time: 1 h 46 min 44 s
